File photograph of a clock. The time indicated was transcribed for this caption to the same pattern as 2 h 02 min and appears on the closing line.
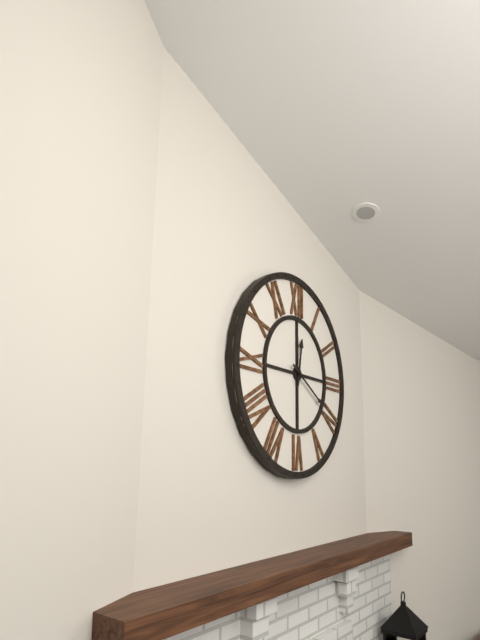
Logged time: 12 h 20 min
